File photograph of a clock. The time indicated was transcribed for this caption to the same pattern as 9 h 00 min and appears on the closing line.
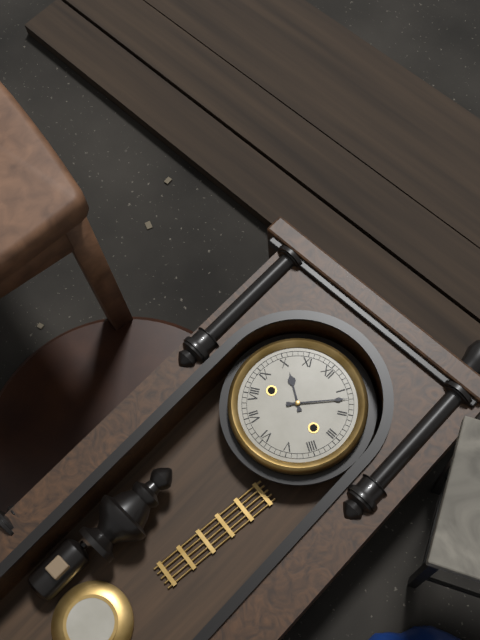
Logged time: 10 h 07 min
